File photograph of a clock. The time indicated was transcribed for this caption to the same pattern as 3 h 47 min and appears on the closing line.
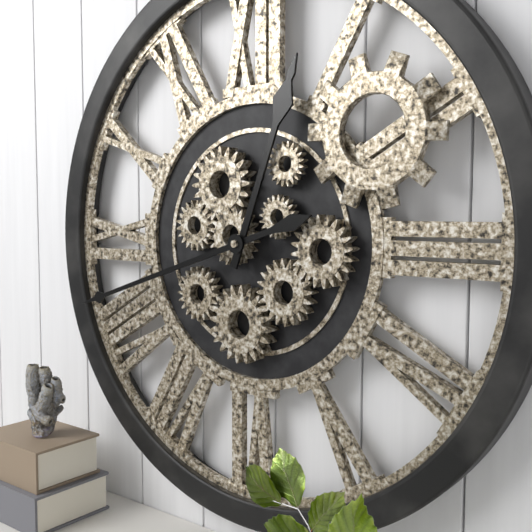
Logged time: 12 h 42 min
